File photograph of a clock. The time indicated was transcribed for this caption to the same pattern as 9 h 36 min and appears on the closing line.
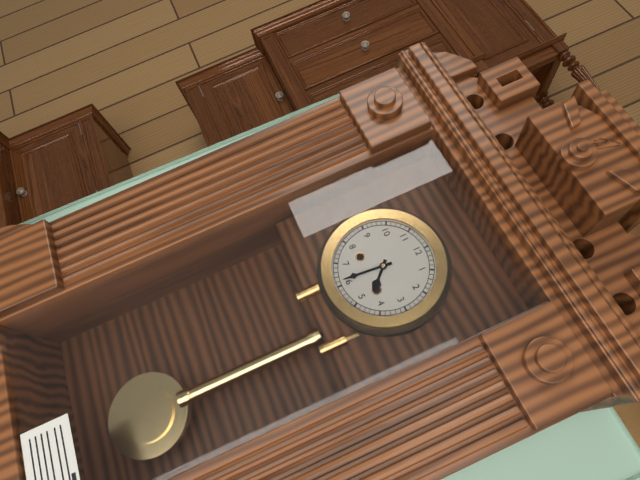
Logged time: 4 h 31 min
